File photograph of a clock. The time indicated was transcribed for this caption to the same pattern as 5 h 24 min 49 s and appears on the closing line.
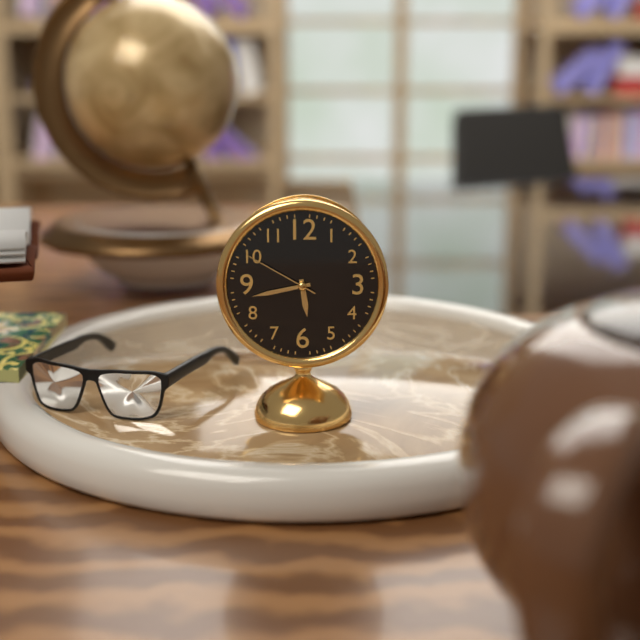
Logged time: 5 h 43 min 50 s
